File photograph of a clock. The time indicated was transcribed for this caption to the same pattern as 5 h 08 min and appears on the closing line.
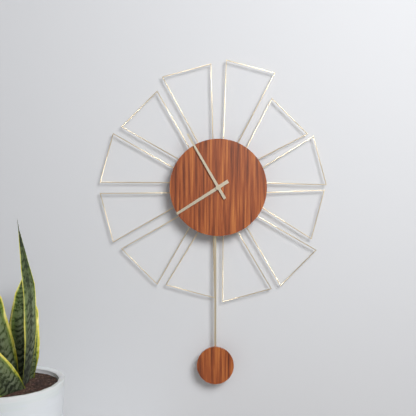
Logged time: 7 h 55 min
